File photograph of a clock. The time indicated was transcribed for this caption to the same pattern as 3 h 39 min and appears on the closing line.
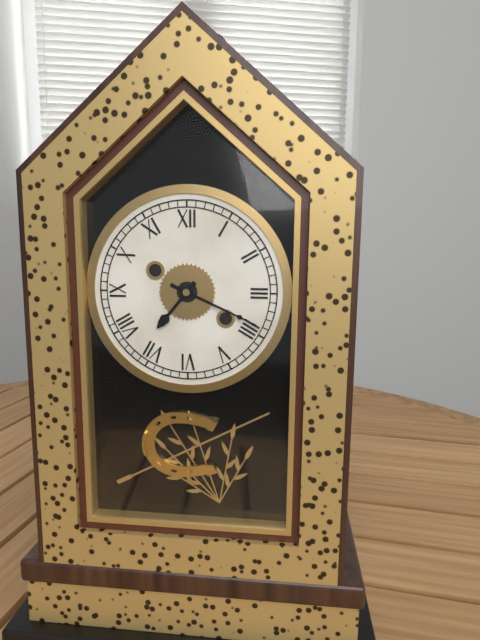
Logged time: 7 h 19 min
